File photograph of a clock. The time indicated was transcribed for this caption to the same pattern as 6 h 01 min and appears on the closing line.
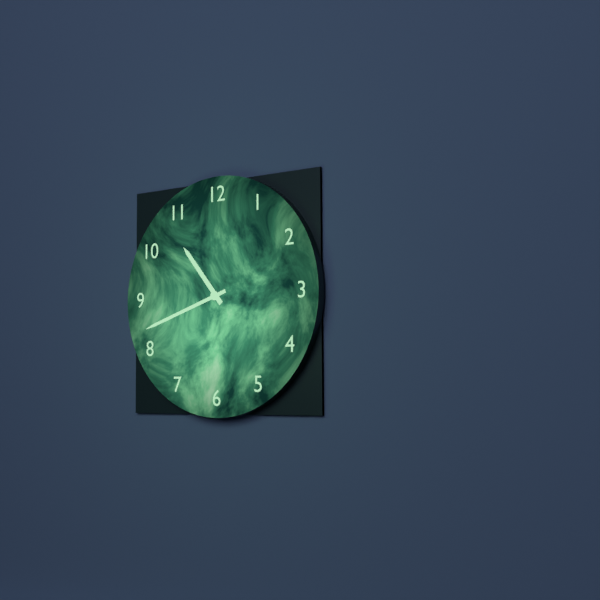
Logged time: 10 h 42 min
